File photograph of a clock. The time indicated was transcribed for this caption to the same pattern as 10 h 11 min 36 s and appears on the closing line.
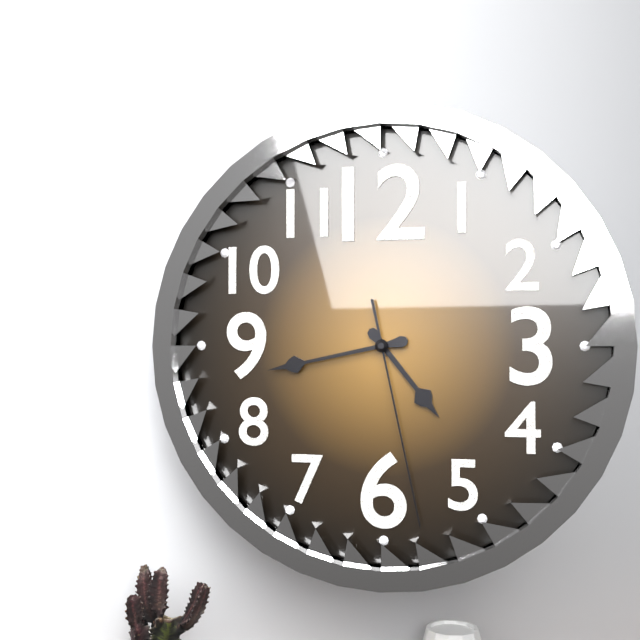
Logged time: 4 h 43 min 28 s
